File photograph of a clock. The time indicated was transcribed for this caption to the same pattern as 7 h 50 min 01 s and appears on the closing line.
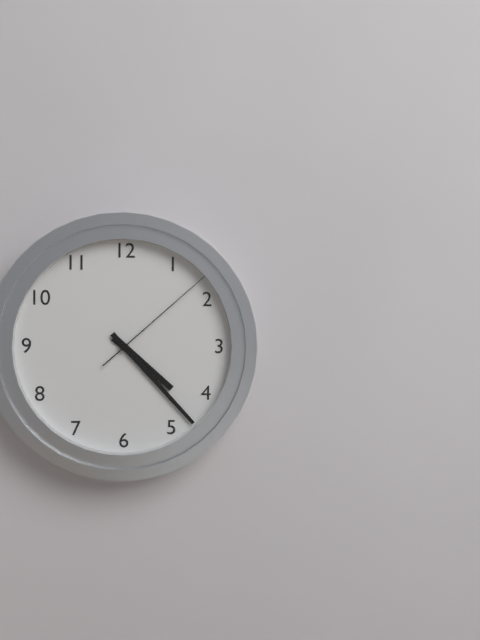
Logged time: 4 h 23 min 08 s
